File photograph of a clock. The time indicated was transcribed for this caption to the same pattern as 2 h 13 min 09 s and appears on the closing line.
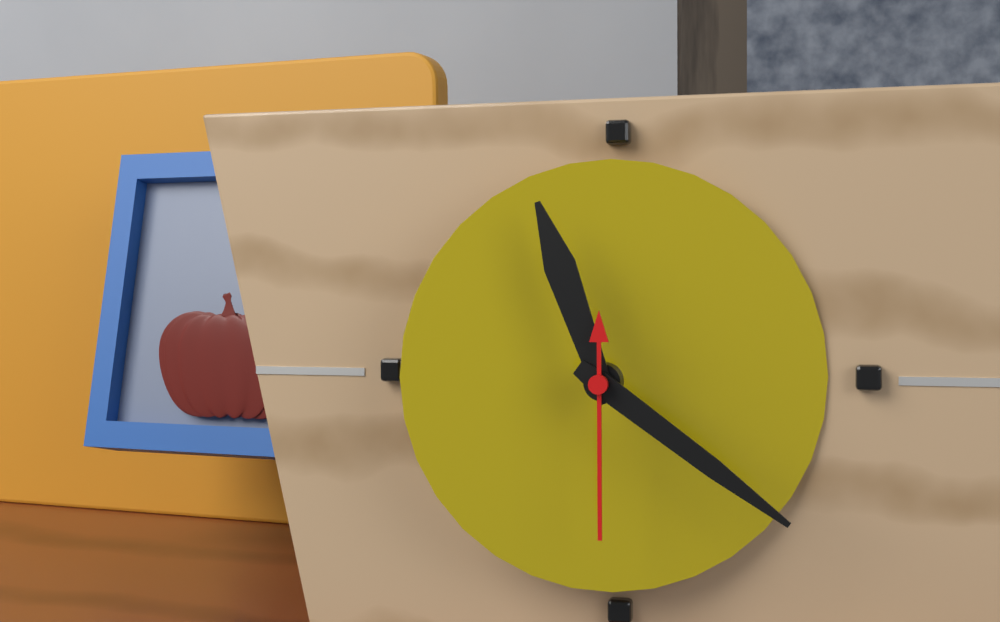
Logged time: 11 h 21 min 30 s
